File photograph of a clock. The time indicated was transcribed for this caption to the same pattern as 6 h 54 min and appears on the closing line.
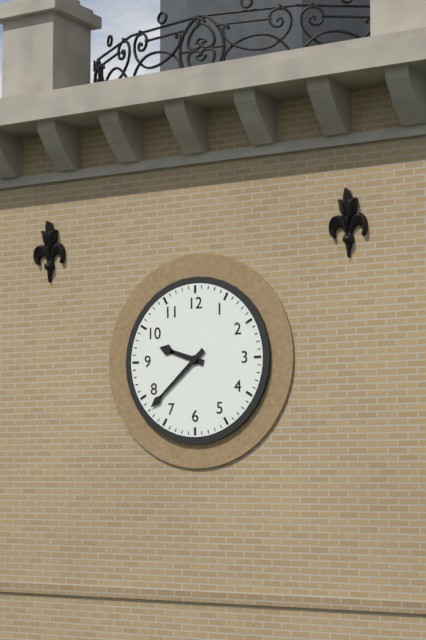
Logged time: 9 h 38 min
